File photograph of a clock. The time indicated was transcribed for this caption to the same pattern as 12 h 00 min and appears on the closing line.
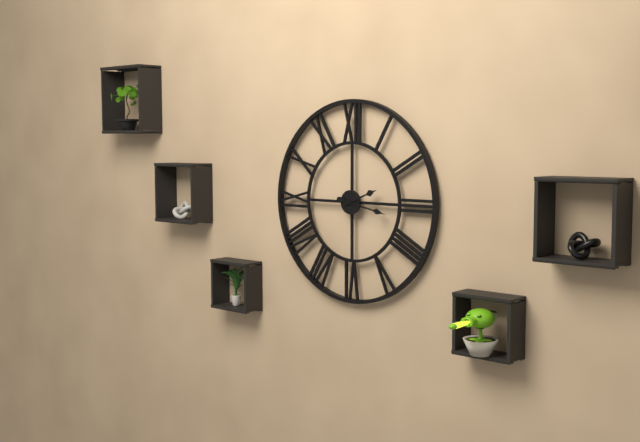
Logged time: 2 h 17 min
